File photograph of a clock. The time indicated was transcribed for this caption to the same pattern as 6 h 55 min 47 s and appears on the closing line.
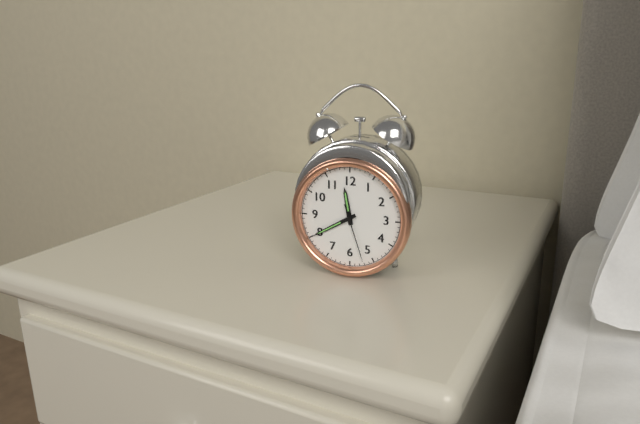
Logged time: 11 h 40 min 27 s
